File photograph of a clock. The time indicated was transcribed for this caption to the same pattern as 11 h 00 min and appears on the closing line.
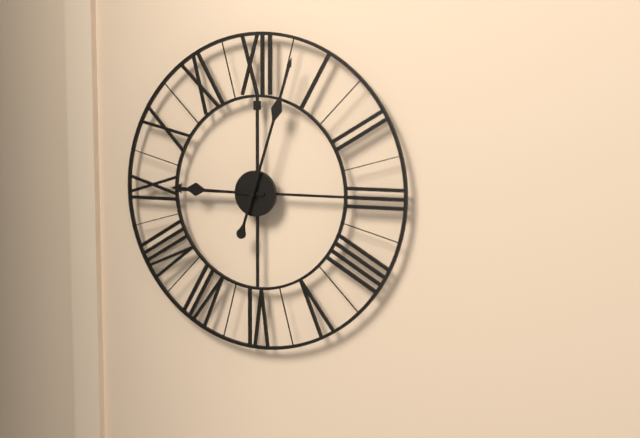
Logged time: 9 h 03 min
